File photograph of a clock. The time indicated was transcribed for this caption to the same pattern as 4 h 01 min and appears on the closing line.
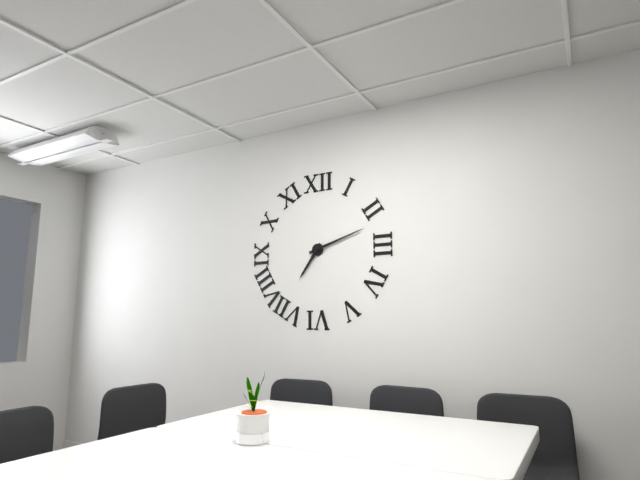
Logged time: 7 h 12 min
